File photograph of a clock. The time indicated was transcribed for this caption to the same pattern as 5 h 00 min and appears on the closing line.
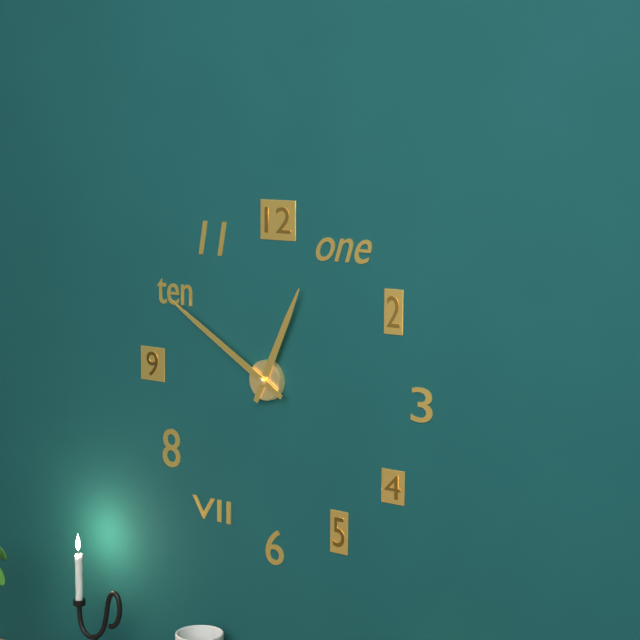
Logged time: 12 h 50 min
